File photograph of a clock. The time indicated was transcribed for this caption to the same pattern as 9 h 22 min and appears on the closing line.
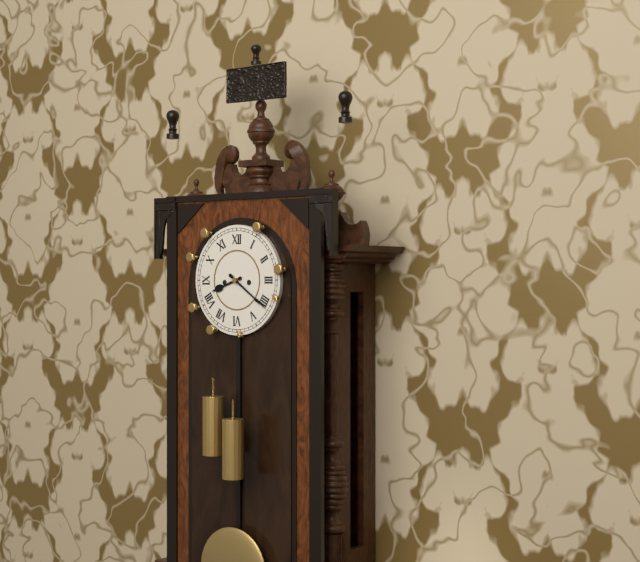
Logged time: 8 h 21 min
